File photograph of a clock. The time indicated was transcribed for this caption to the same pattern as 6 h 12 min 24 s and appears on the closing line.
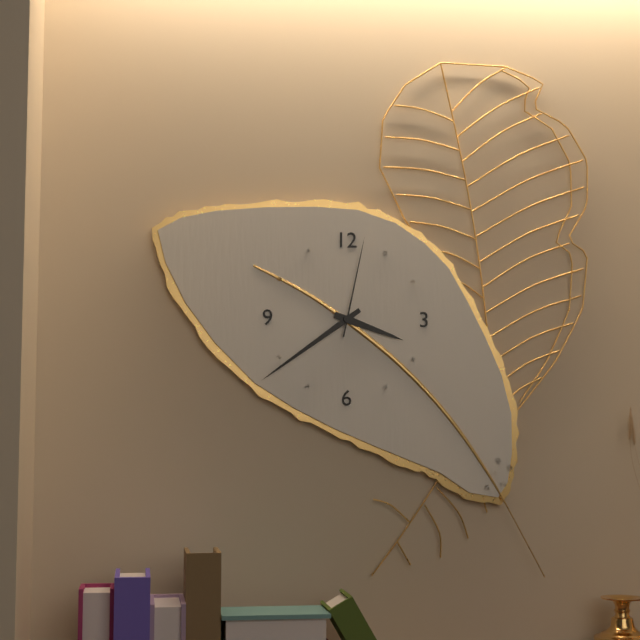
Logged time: 3 h 39 min 02 s
